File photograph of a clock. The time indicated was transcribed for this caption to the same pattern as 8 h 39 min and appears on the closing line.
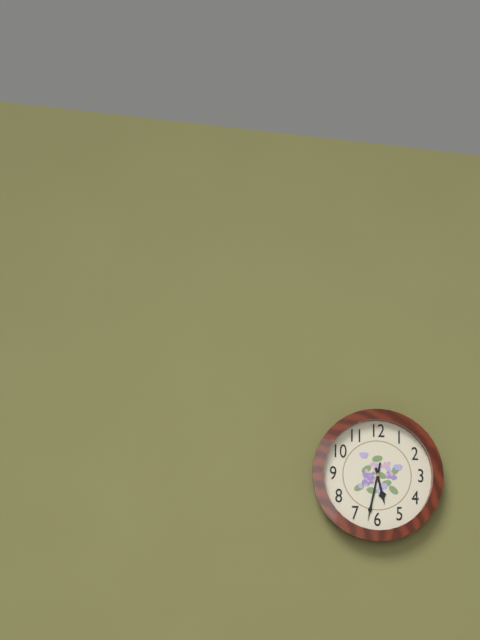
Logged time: 5 h 32 min
